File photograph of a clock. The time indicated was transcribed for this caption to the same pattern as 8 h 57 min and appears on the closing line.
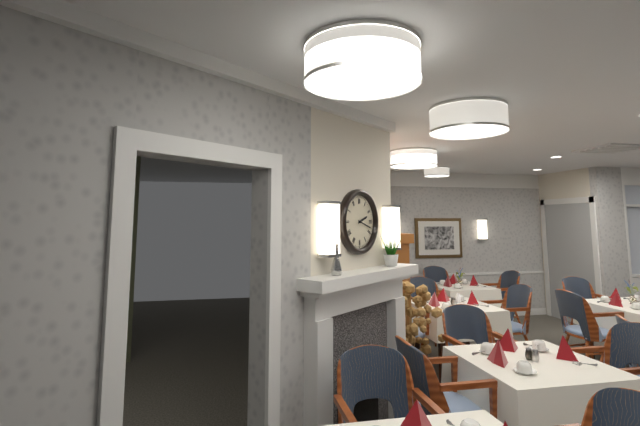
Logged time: 2 h 18 min
